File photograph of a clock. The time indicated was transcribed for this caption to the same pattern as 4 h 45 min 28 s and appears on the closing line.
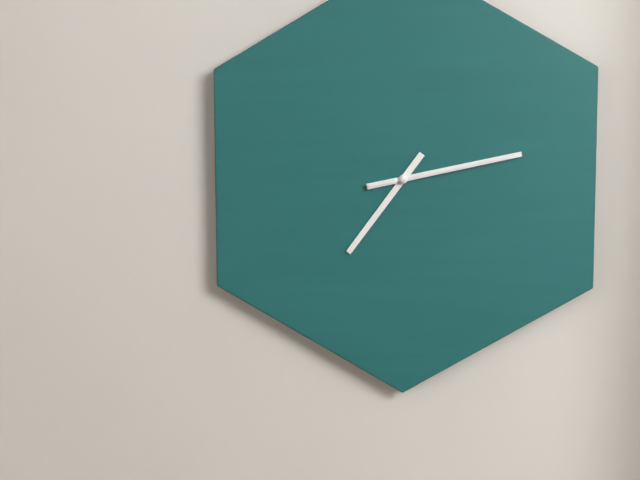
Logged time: 7 h 13 min 13 s
